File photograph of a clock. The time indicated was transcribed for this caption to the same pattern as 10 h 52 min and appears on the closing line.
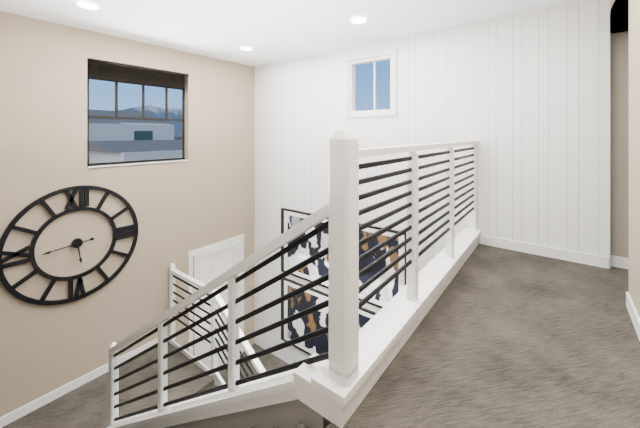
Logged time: 5 h 44 min
